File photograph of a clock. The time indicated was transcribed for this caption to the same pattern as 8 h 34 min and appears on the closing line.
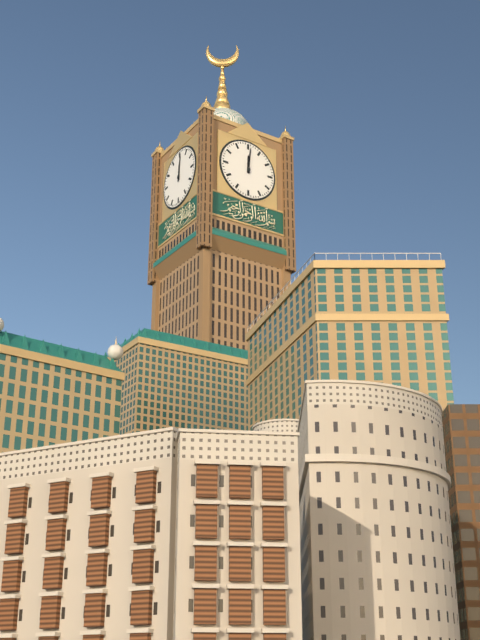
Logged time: 12 h 01 min
